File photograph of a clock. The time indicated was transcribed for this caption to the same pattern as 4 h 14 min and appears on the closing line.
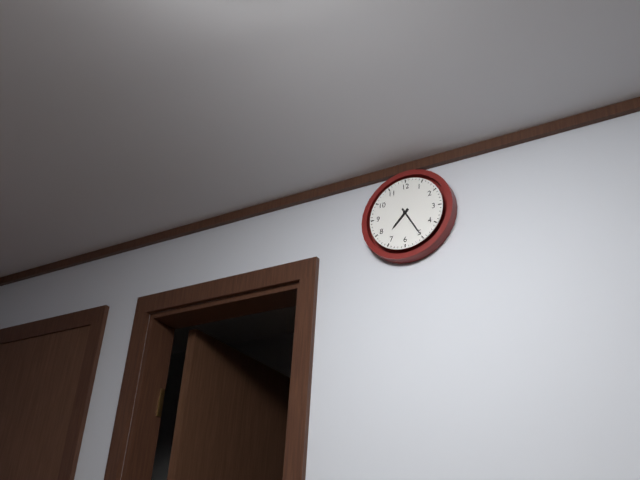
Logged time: 7 h 25 min
